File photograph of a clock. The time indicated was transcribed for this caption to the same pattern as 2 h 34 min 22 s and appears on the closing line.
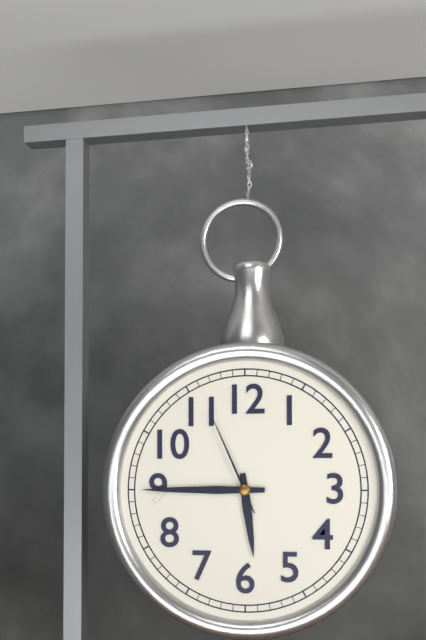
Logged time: 5 h 45 min 56 s
